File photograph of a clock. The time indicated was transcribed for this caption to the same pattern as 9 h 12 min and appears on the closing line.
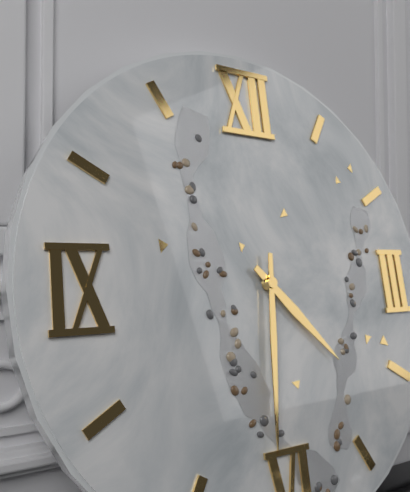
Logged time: 4 h 31 min
